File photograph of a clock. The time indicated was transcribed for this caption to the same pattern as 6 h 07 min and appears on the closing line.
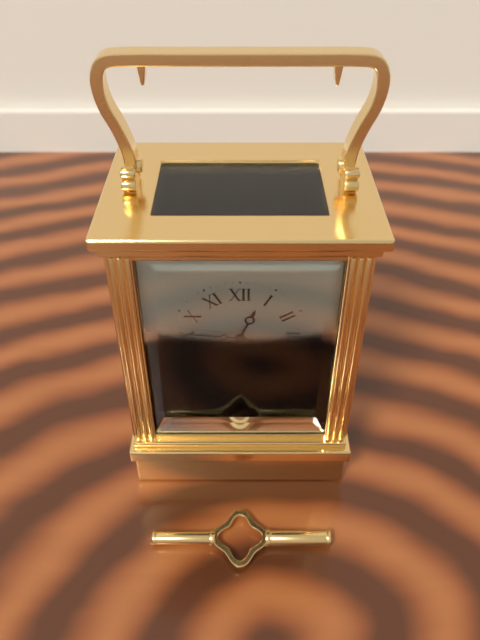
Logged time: 12 h 46 min
